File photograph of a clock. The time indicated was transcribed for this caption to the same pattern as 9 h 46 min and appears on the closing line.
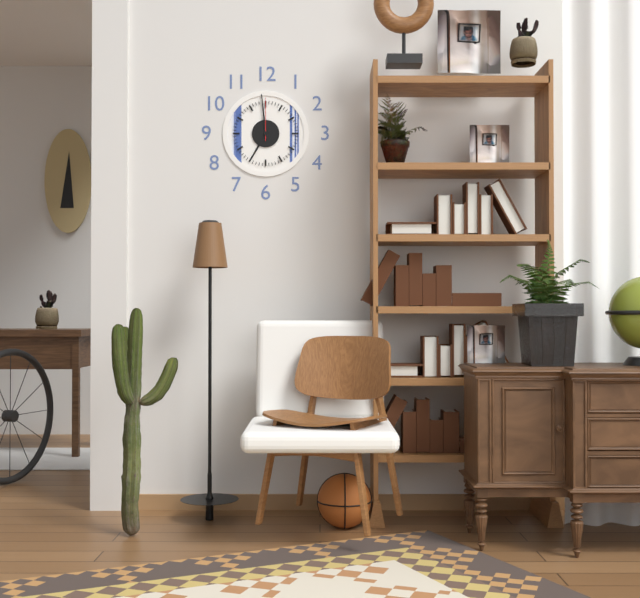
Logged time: 6 h 59 min
